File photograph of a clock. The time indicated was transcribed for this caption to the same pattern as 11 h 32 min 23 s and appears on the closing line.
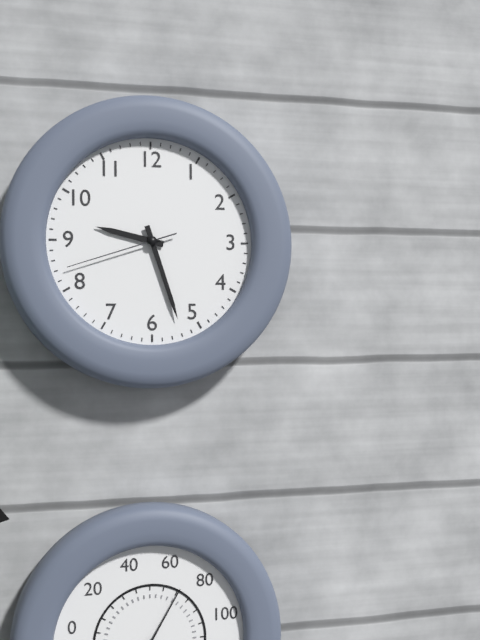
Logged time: 9 h 27 min 42 s
